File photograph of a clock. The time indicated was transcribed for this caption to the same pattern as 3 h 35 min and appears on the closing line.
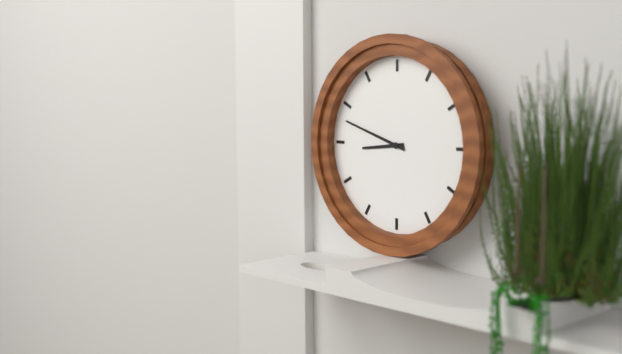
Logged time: 8 h 48 min
